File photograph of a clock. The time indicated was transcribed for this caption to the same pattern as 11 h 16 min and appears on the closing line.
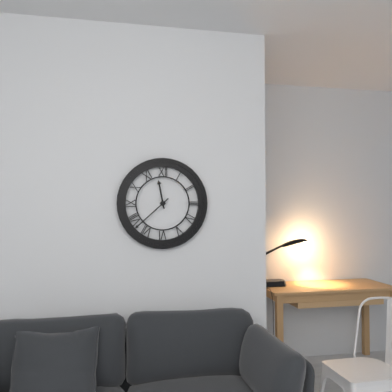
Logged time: 11 h 38 min
